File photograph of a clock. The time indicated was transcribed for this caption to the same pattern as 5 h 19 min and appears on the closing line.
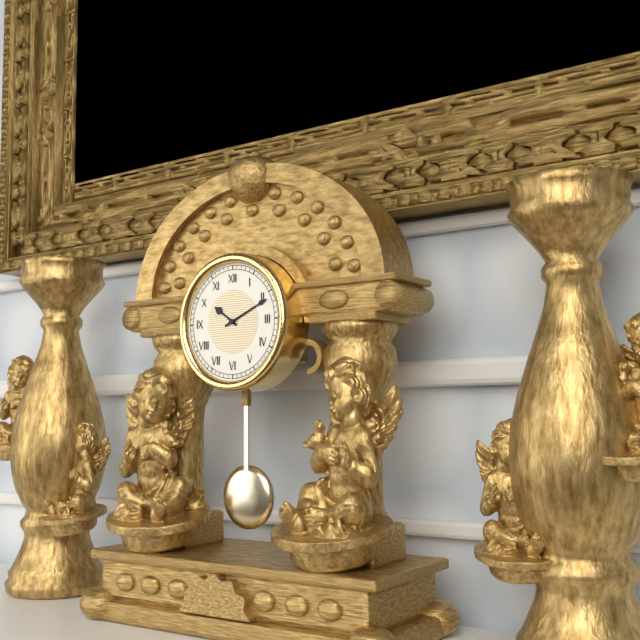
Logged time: 10 h 11 min
